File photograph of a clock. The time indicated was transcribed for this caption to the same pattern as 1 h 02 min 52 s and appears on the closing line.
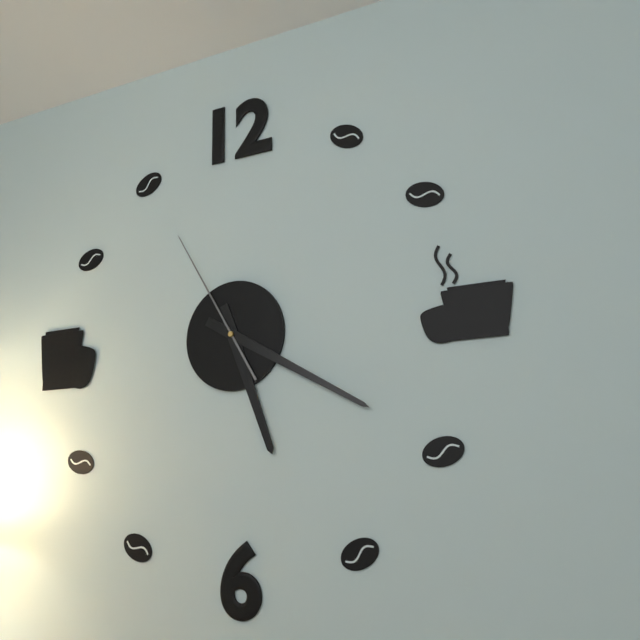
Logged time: 5 h 20 min 55 s
